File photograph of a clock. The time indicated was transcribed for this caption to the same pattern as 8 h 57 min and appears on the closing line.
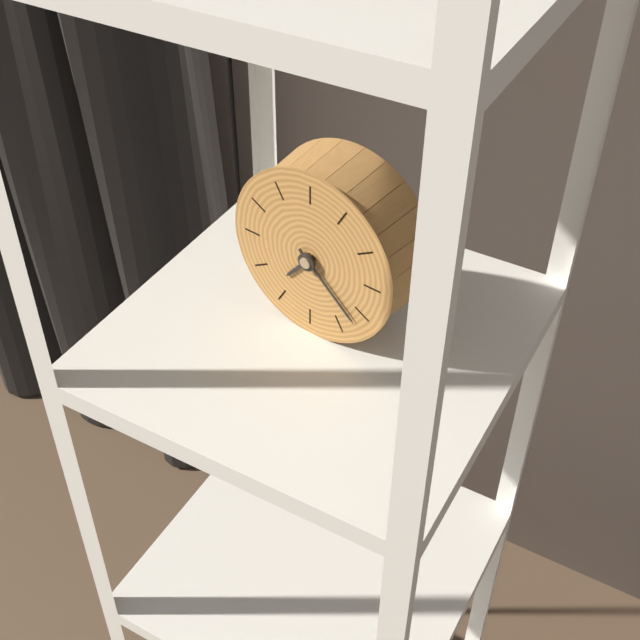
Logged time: 7 h 22 min
